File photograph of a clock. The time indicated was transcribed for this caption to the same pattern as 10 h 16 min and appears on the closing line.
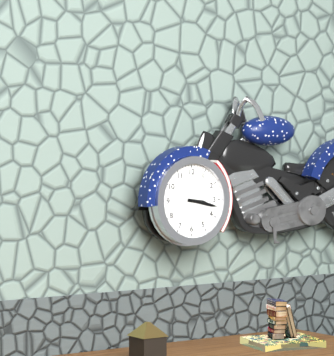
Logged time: 3 h 17 min
